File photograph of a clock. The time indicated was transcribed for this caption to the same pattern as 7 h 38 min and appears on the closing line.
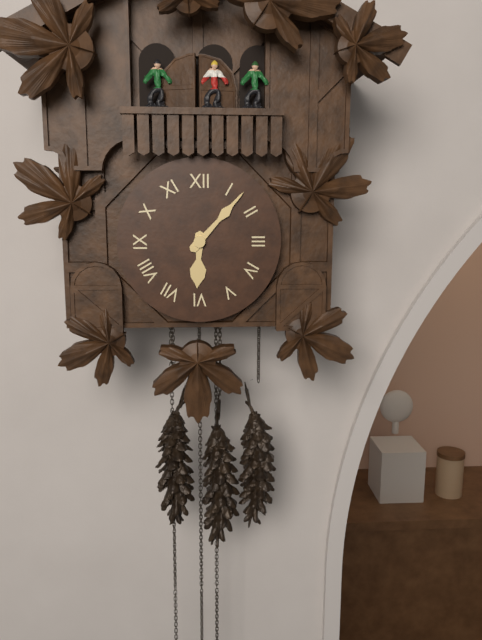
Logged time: 6 h 07 min
